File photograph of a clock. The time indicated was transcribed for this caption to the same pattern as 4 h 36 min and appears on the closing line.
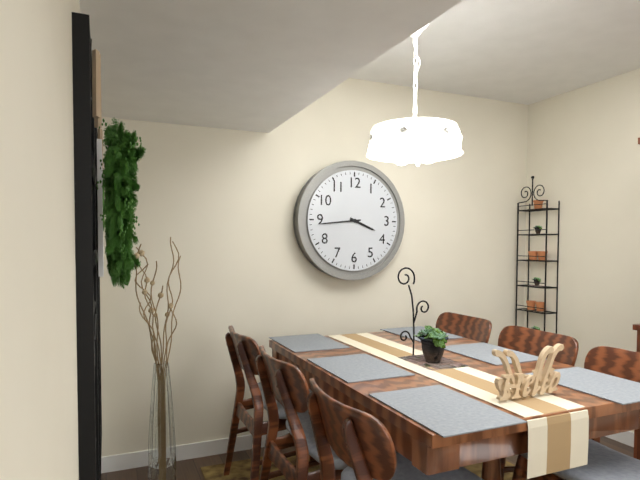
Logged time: 3 h 44 min
